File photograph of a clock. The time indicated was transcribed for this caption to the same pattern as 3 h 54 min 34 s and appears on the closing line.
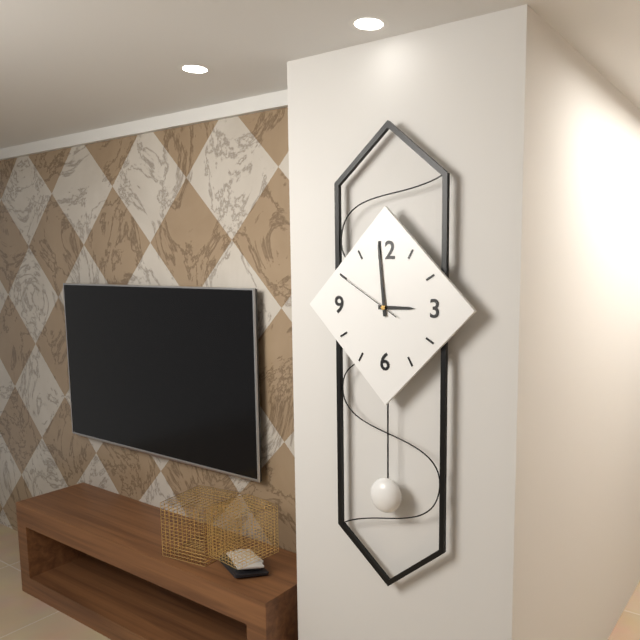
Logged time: 2 h 59 min 50 s
